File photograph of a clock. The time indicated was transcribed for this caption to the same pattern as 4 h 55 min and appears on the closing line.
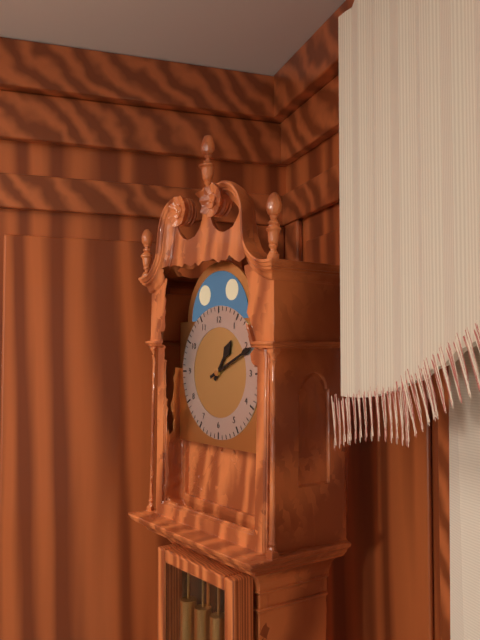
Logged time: 1 h 11 min
